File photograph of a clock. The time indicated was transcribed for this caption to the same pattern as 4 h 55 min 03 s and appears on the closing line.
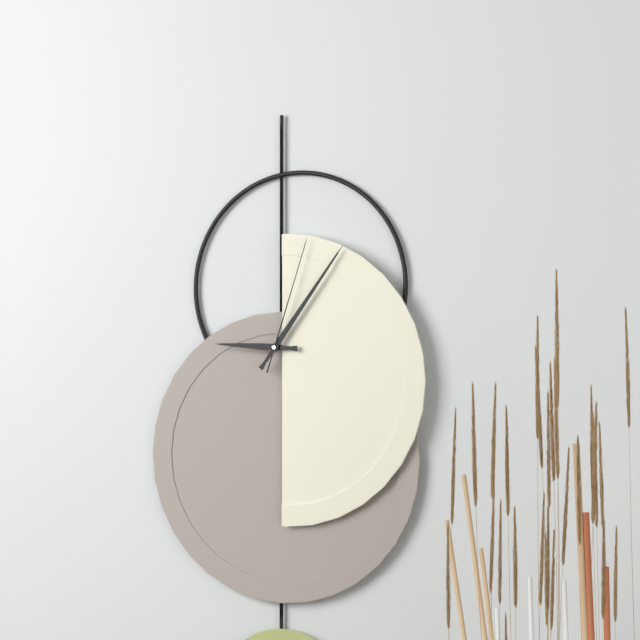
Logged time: 9 h 06 min 03 s
